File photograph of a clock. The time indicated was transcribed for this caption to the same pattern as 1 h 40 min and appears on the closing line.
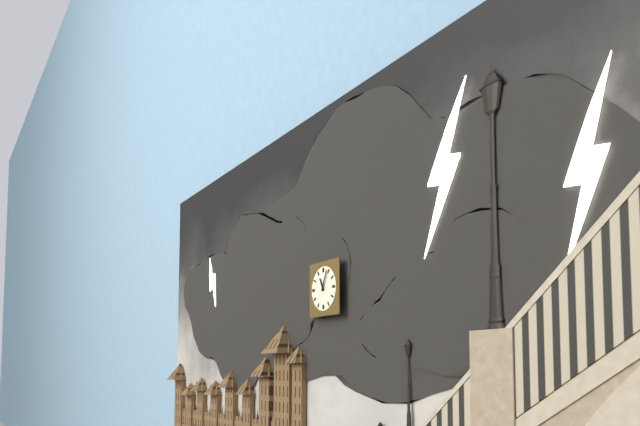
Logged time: 11 h 04 min
